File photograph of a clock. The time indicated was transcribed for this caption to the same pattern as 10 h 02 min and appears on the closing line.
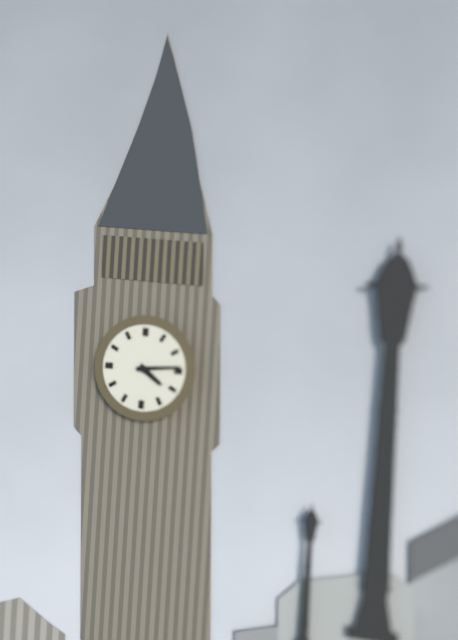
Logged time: 4 h 14 min
